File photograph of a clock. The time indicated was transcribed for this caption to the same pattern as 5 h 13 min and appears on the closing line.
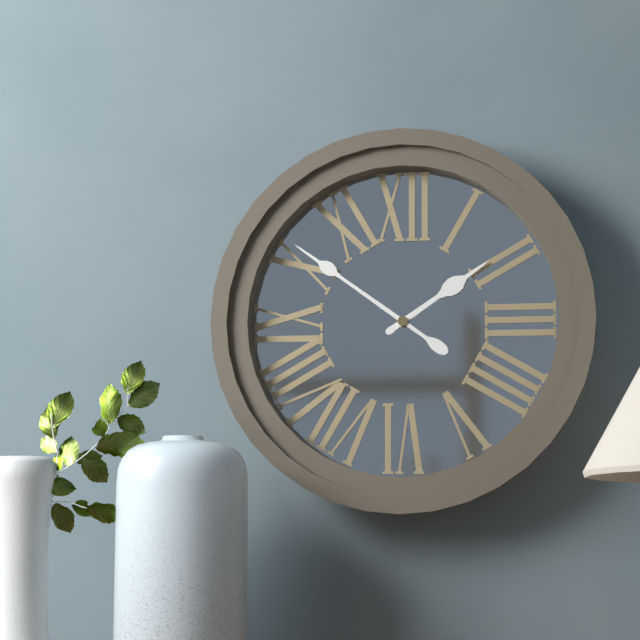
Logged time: 1 h 51 min
